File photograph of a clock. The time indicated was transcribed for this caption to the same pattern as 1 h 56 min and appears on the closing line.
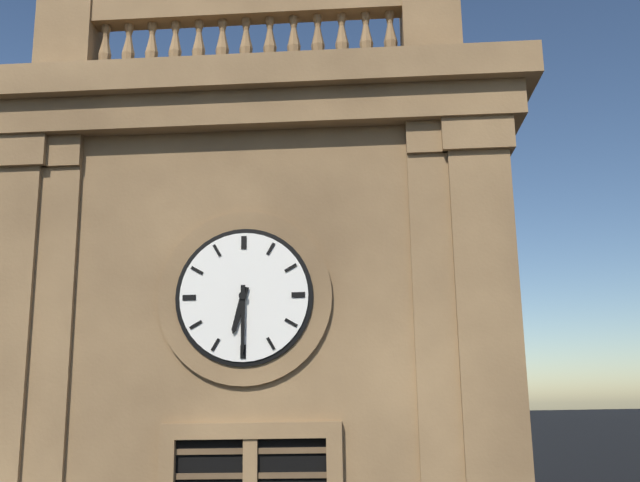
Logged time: 6 h 30 min
